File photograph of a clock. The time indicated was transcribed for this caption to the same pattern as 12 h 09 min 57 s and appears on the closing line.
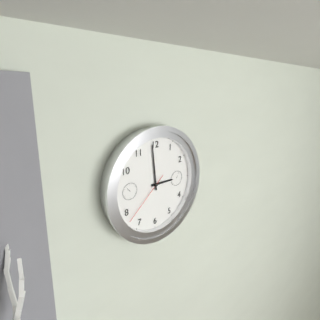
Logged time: 2 h 59 min 38 s
